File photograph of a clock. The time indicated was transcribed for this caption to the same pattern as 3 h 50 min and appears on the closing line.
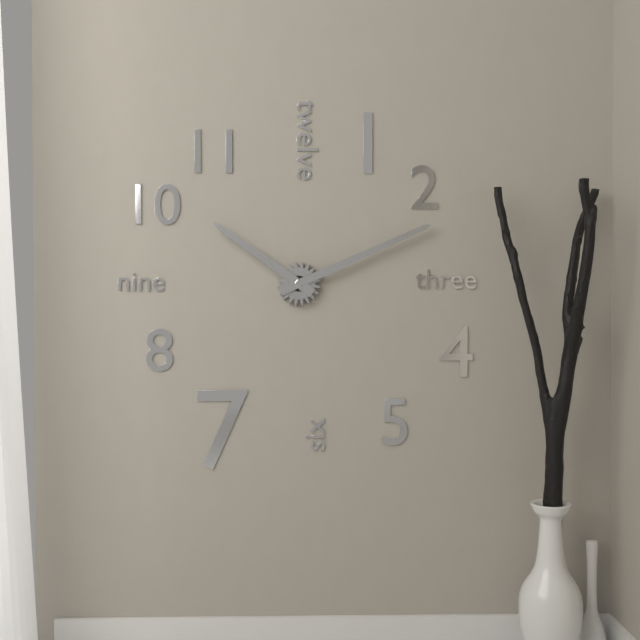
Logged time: 10 h 11 min
